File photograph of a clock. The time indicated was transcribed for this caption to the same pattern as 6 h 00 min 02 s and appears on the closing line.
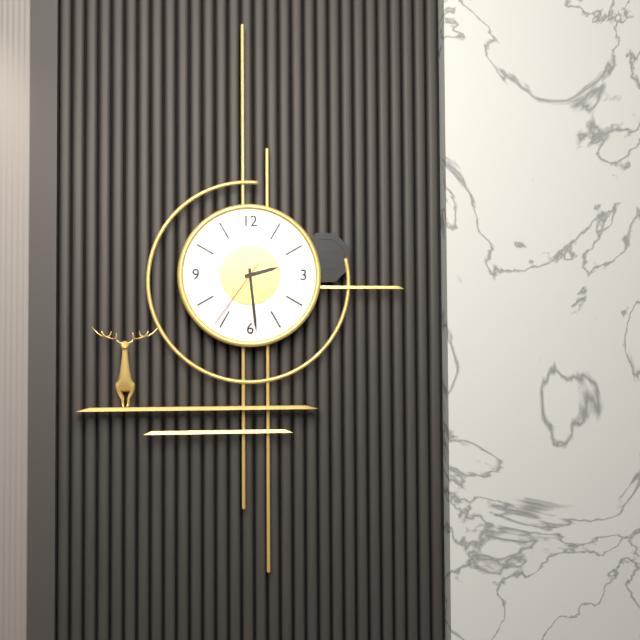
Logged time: 2 h 29 min 36 s
